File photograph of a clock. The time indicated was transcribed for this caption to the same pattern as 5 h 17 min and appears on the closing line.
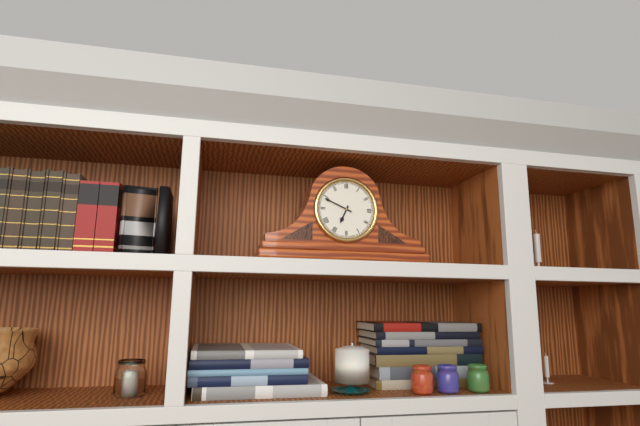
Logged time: 6 h 49 min
